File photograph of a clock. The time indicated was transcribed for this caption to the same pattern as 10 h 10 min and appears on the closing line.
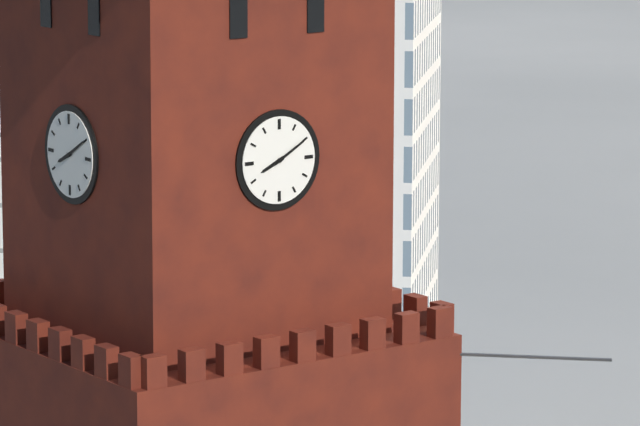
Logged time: 8 h 10 min
